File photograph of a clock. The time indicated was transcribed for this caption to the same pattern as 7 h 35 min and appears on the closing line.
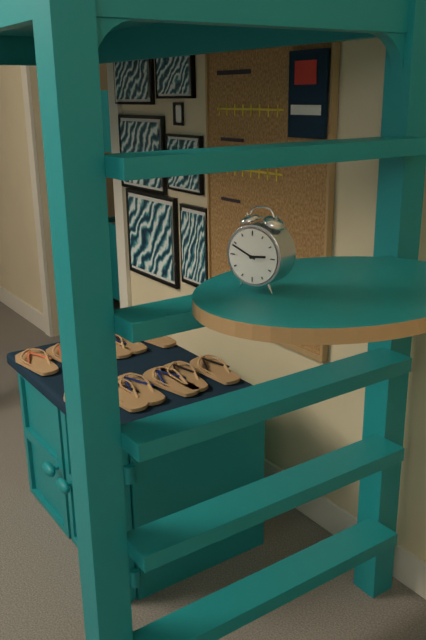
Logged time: 2 h 49 min
